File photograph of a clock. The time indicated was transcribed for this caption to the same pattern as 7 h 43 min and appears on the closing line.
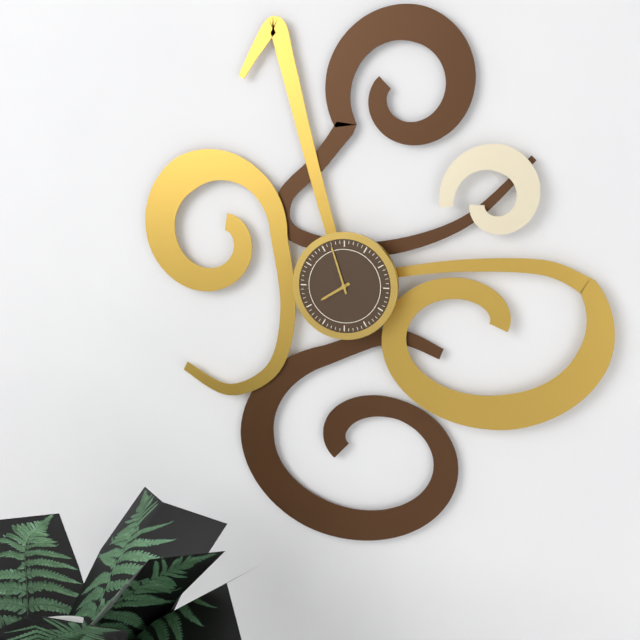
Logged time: 7 h 57 min
